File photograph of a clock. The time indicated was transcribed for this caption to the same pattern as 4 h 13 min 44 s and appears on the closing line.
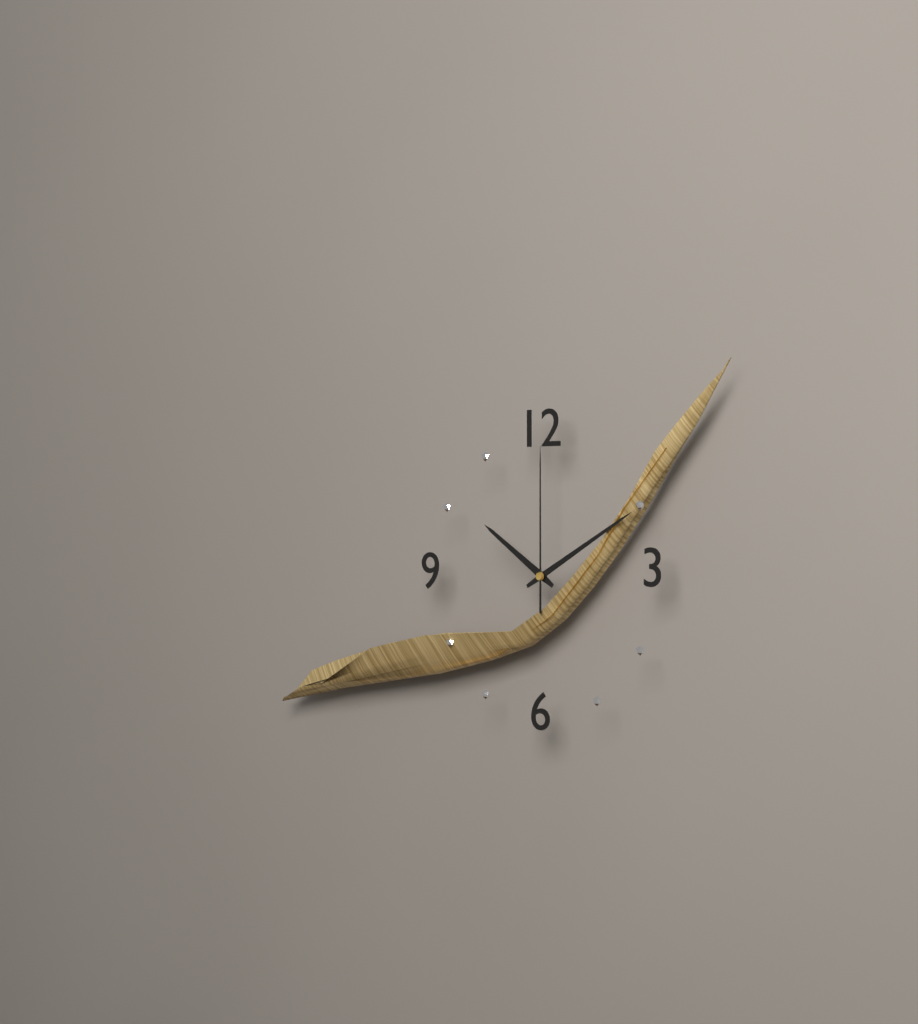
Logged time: 10 h 10 min 00 s
